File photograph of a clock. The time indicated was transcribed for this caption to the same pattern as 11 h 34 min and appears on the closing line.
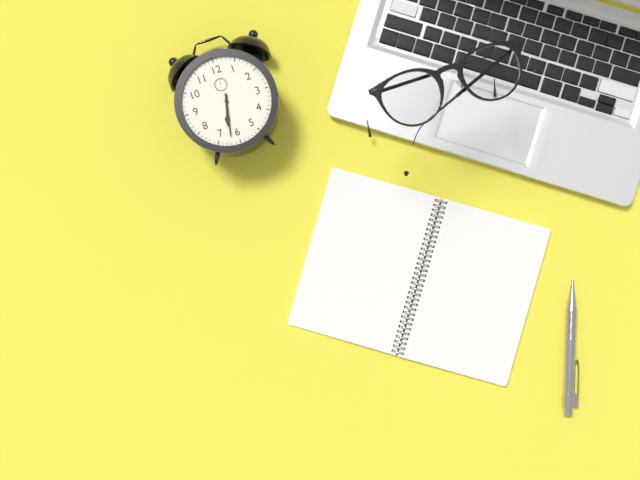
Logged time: 6 h 32 min
